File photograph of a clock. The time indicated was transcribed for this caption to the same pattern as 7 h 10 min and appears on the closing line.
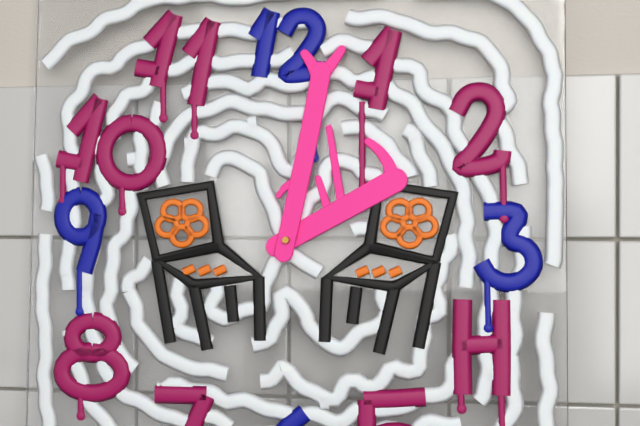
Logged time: 2 h 02 min
